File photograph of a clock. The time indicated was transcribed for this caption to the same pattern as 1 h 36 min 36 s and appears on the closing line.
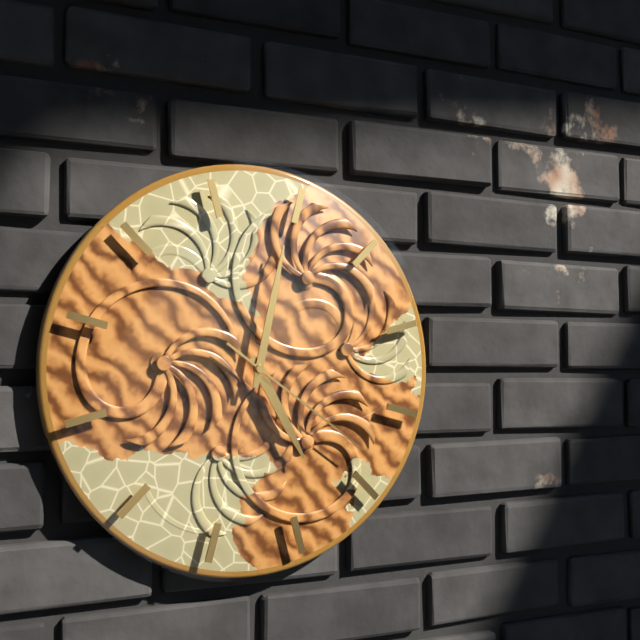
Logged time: 5 h 02 min 21 s
